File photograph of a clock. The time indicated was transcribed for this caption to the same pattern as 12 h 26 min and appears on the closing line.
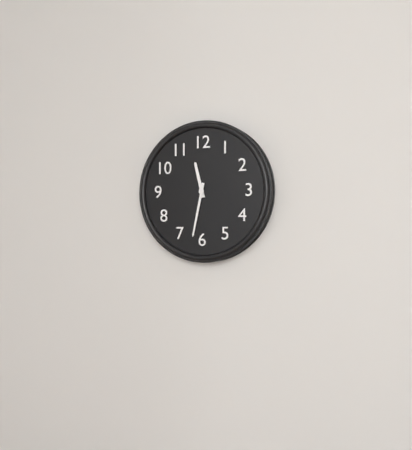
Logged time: 11 h 32 min
